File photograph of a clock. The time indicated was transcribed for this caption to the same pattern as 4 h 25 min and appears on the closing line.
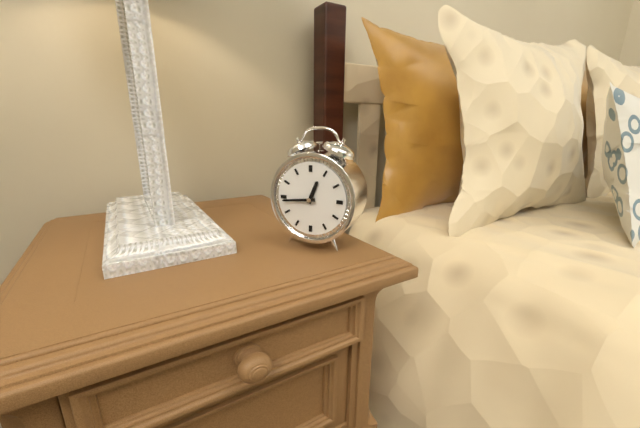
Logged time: 12 h 44 min
